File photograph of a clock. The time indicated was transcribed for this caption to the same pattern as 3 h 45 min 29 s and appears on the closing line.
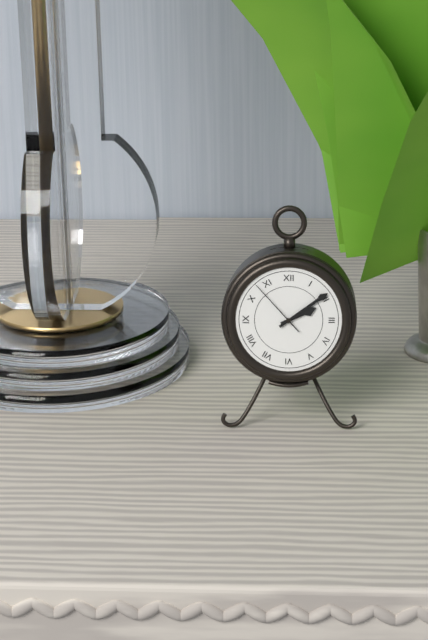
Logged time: 2 h 09 min 53 s
